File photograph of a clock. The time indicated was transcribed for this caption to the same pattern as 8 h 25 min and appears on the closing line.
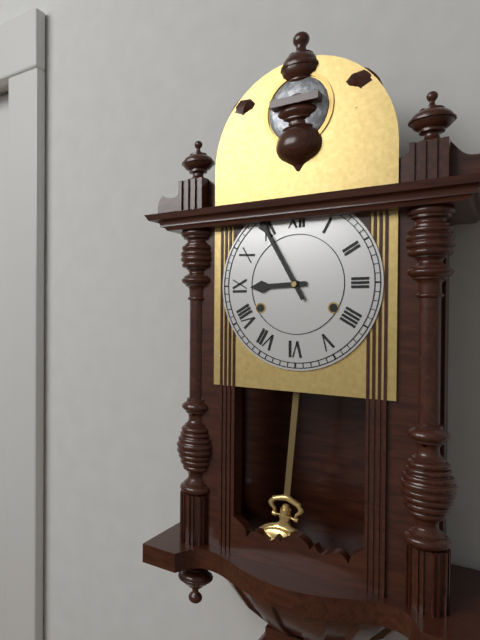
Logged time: 8 h 55 min
